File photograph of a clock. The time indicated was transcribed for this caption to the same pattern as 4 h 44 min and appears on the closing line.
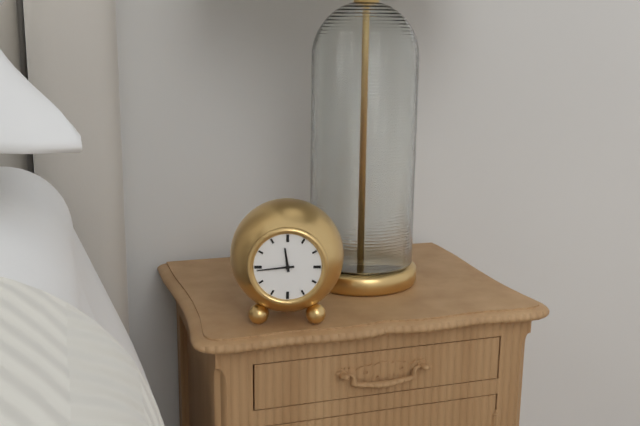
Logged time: 11 h 44 min
